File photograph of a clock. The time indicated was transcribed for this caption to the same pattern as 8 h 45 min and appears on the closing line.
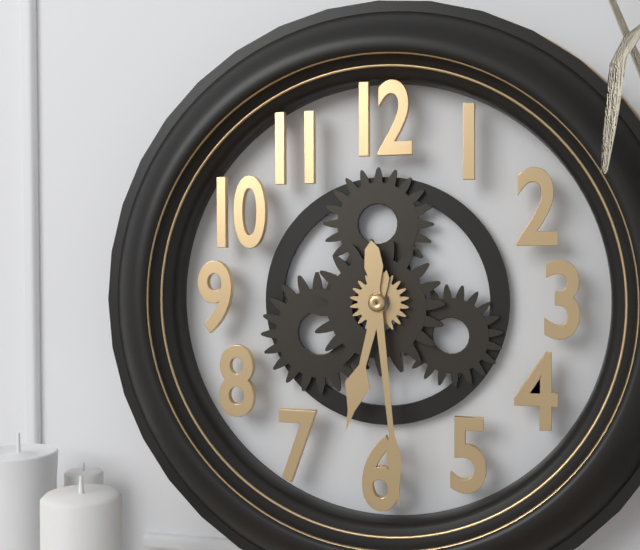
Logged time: 6 h 29 min
